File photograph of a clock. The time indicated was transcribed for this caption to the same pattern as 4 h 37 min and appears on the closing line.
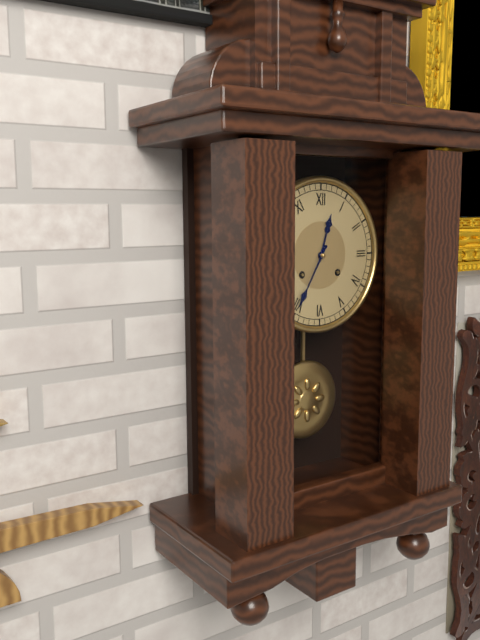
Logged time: 12 h 35 min
